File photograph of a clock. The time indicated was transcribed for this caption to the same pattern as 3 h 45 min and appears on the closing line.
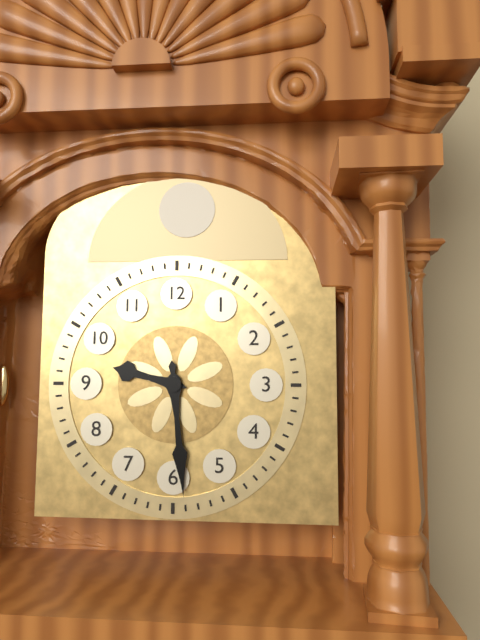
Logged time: 9 h 29 min
